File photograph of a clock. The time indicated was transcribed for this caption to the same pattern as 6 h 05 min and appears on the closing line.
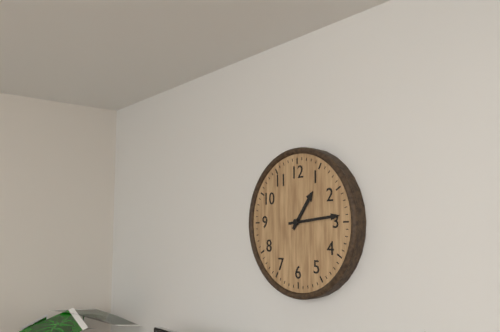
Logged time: 1 h 14 min
